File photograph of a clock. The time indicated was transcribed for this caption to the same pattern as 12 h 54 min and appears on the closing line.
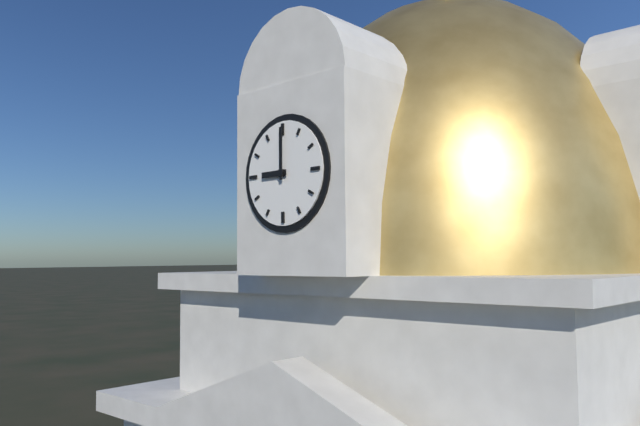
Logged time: 9 h 00 min
